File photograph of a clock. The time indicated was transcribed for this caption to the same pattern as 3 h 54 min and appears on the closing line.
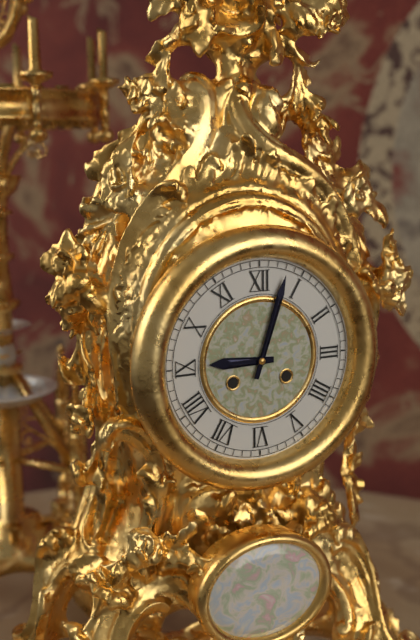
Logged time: 9 h 03 min
